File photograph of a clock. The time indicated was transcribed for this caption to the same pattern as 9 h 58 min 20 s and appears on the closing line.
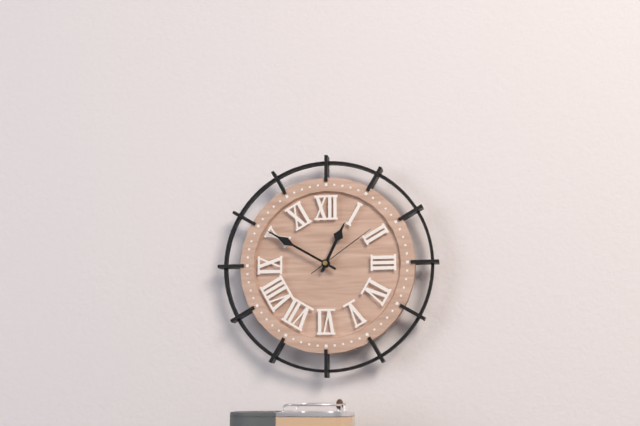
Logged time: 12 h 50 min 09 s
